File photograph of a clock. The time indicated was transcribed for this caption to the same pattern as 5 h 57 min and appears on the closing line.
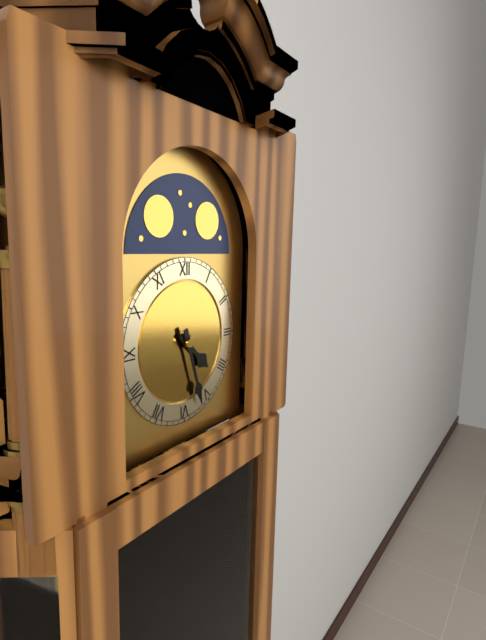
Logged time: 4 h 27 min
